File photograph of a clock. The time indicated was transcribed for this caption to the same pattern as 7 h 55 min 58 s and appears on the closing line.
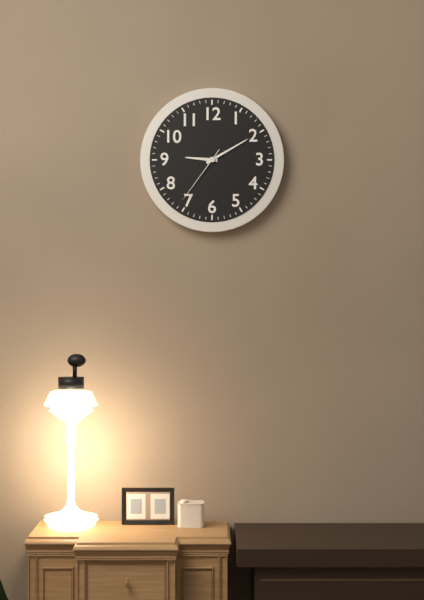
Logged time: 9 h 10 min 36 s
